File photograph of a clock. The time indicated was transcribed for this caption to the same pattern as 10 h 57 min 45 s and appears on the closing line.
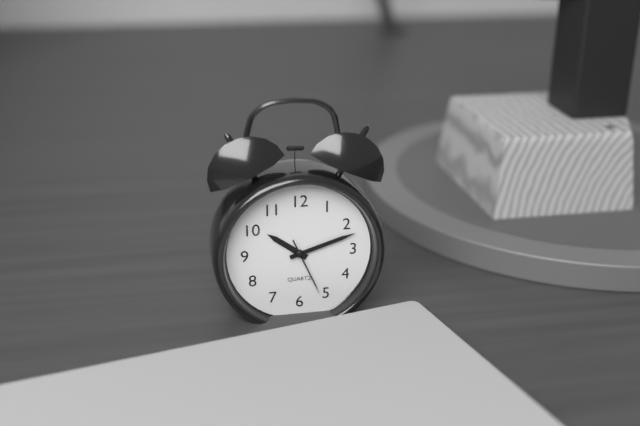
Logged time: 10 h 12 min 26 s
